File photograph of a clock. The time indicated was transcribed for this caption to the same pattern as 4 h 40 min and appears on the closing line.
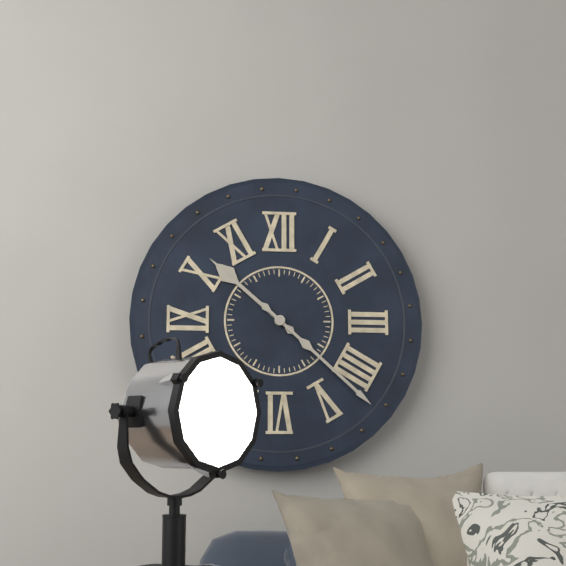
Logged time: 10 h 22 min
